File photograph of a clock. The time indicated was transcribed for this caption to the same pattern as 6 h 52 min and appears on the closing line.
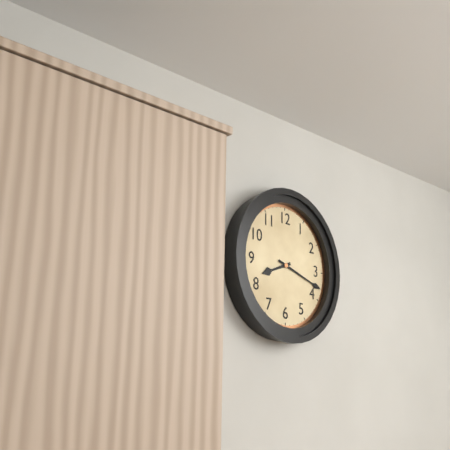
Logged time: 8 h 18 min
